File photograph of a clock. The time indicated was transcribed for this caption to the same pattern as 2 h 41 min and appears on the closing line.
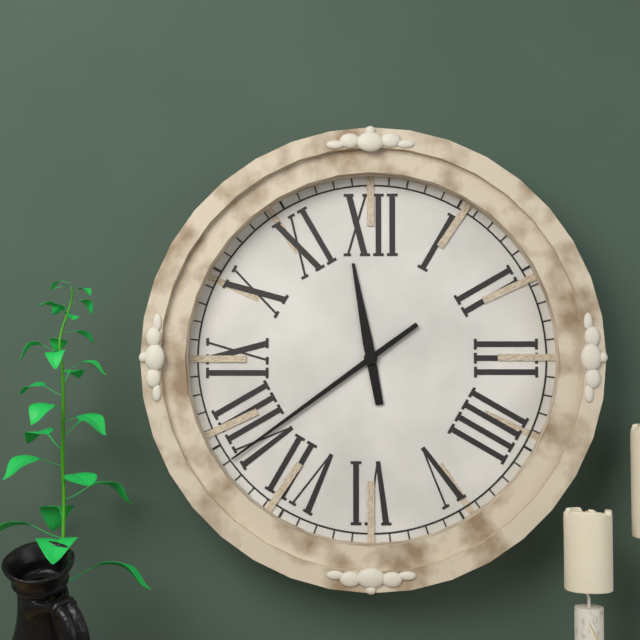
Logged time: 11 h 39 min
